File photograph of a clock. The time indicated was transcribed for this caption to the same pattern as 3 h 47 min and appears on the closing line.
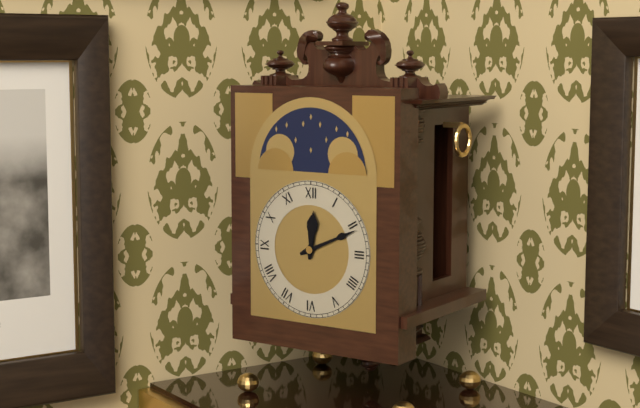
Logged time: 12 h 11 min
